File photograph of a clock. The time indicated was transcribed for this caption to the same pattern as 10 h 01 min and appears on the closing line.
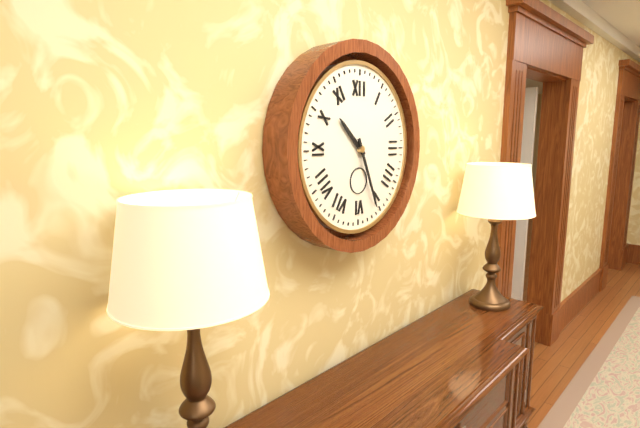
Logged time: 10 h 26 min
